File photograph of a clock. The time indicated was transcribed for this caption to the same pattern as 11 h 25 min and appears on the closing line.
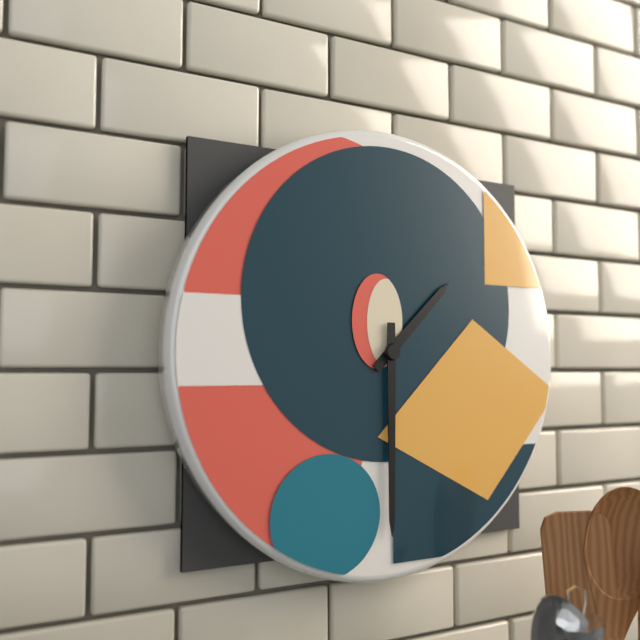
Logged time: 1 h 30 min
